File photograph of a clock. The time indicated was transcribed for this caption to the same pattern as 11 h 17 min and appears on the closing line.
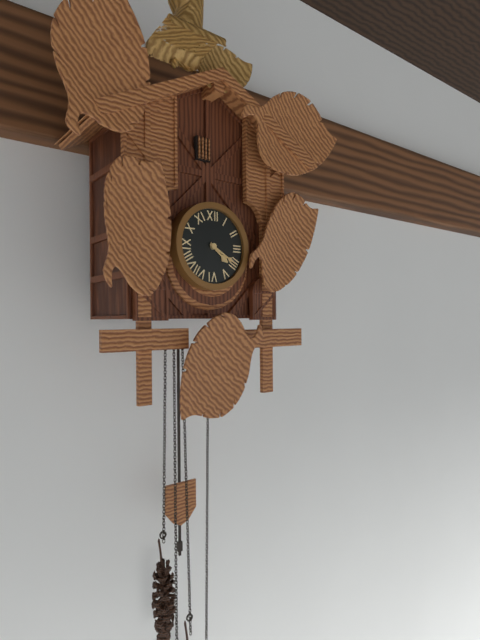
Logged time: 4 h 20 min
